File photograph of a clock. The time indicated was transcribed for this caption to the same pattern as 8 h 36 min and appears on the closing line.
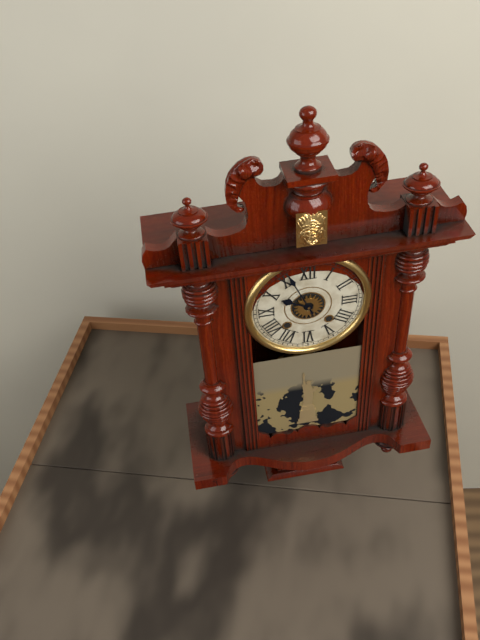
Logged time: 9 h 56 min
